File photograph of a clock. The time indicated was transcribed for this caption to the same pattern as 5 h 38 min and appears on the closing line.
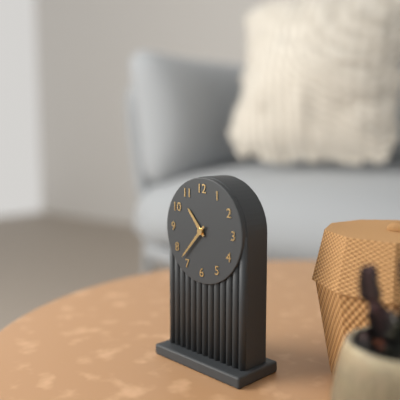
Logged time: 10 h 37 min
